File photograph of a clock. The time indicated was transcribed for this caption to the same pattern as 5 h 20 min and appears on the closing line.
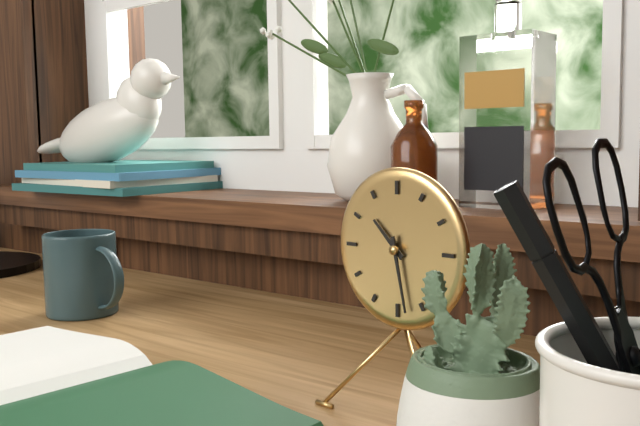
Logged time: 10 h 28 min
